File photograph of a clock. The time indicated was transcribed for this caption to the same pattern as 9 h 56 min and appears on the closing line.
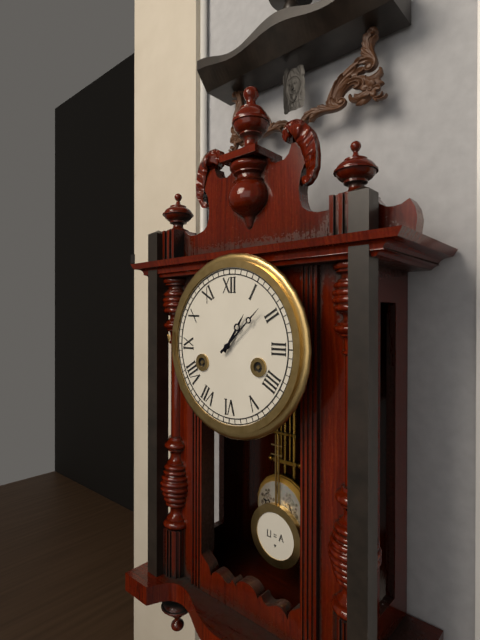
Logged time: 1 h 08 min
